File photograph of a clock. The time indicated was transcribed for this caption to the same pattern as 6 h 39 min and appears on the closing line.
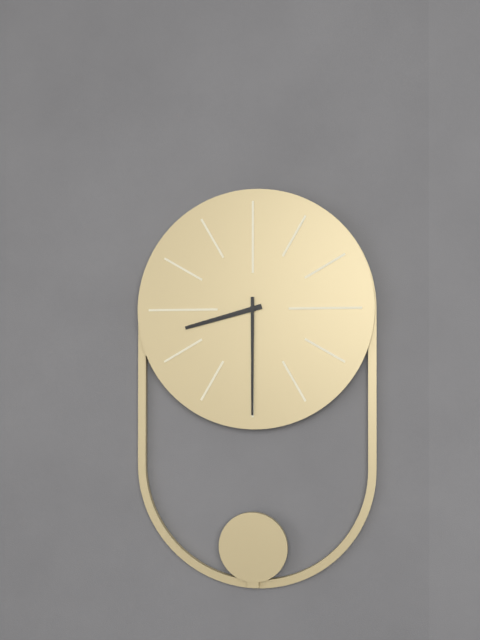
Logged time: 8 h 30 min
